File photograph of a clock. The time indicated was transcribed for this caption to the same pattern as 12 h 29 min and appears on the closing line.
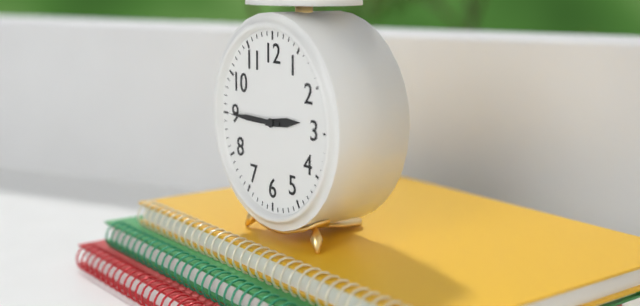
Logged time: 2 h 45 min
